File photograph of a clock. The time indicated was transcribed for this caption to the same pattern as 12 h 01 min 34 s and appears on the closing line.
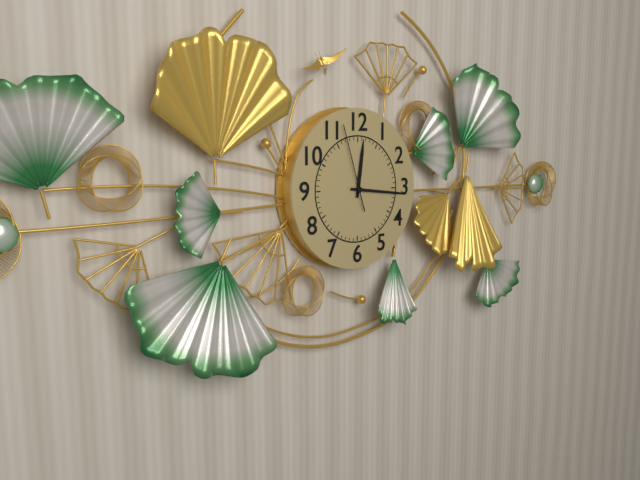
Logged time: 12 h 16 min 57 s
